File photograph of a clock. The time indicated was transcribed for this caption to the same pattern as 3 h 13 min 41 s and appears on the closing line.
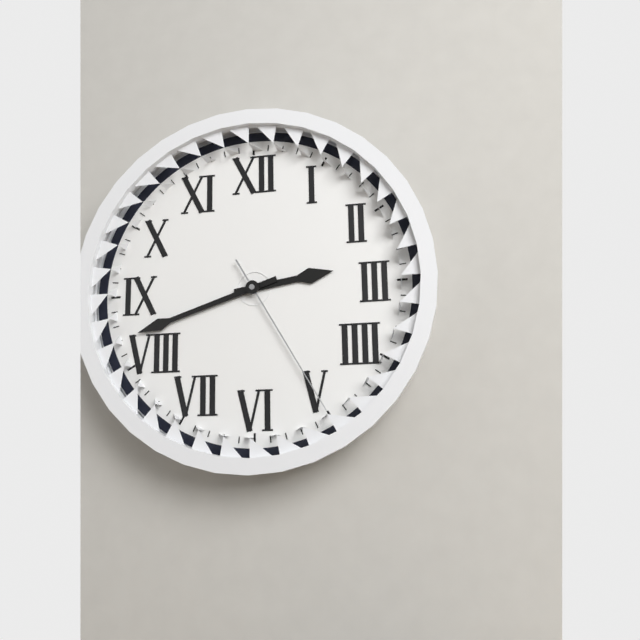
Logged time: 2 h 42 min 25 s
